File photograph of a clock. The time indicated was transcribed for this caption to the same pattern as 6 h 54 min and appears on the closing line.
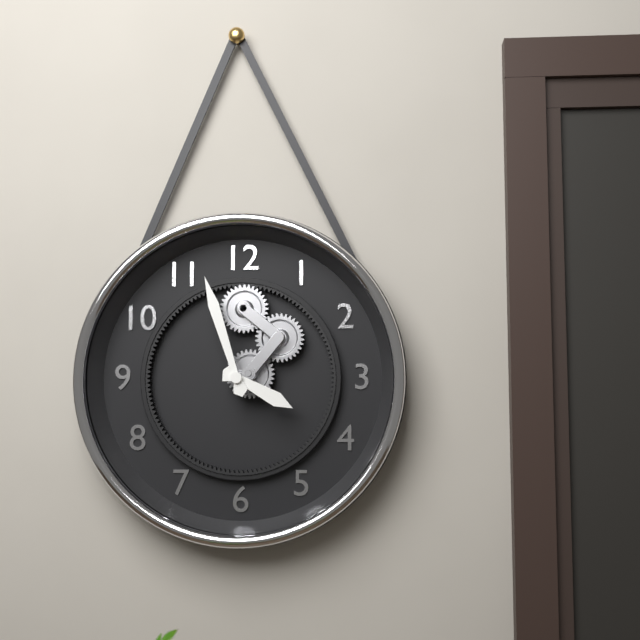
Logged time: 3 h 57 min
